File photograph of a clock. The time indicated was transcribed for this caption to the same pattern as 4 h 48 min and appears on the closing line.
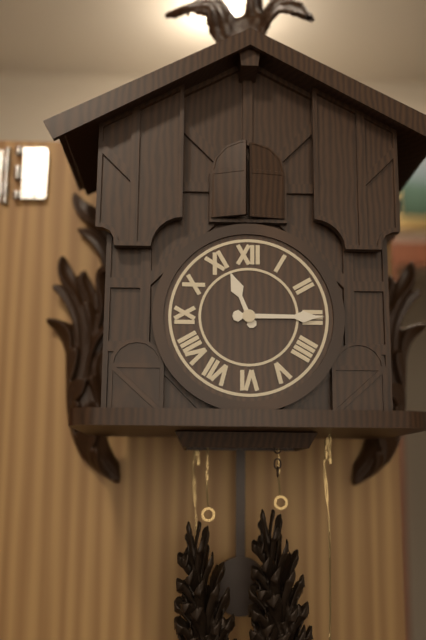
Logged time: 11 h 15 min
